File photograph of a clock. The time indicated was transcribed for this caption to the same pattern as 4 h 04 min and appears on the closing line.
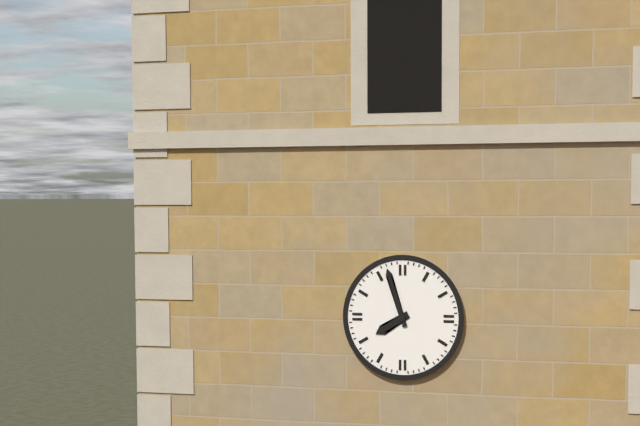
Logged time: 7 h 57 min
